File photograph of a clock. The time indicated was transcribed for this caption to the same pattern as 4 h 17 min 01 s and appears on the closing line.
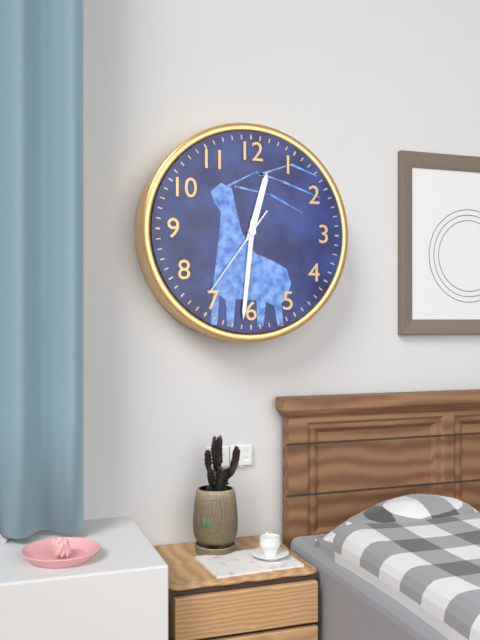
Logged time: 12 h 31 min 36 s
